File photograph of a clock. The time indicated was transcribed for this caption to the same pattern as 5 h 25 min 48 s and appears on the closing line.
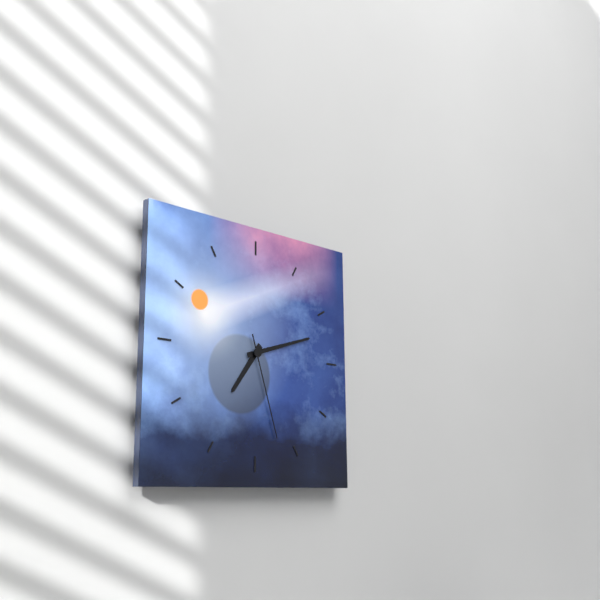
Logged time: 7 h 12 min 27 s
